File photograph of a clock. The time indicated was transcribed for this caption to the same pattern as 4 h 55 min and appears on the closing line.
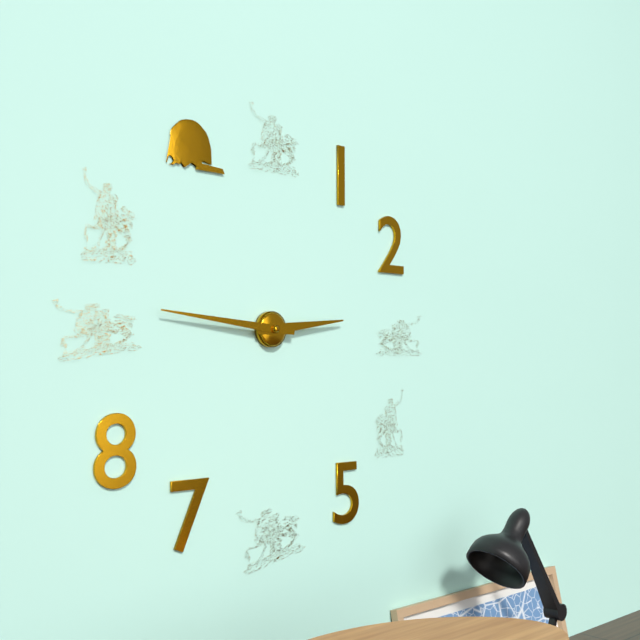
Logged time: 2 h 46 min
